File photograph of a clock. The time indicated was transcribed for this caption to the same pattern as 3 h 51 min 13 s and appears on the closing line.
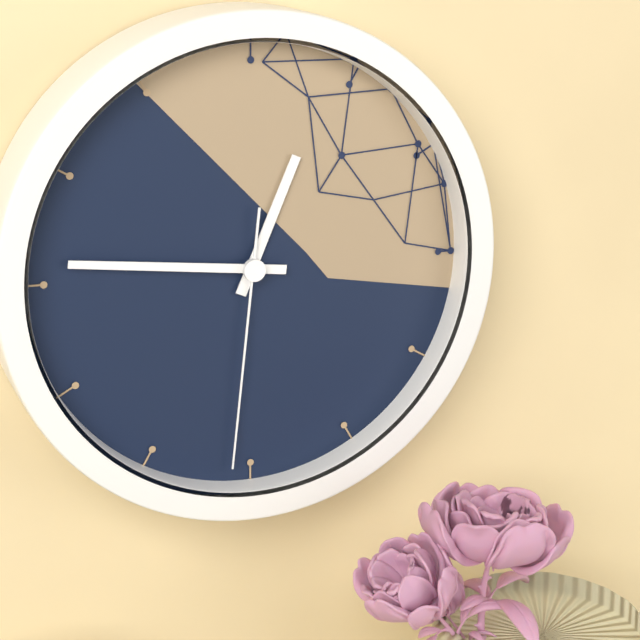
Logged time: 12 h 46 min 31 s
